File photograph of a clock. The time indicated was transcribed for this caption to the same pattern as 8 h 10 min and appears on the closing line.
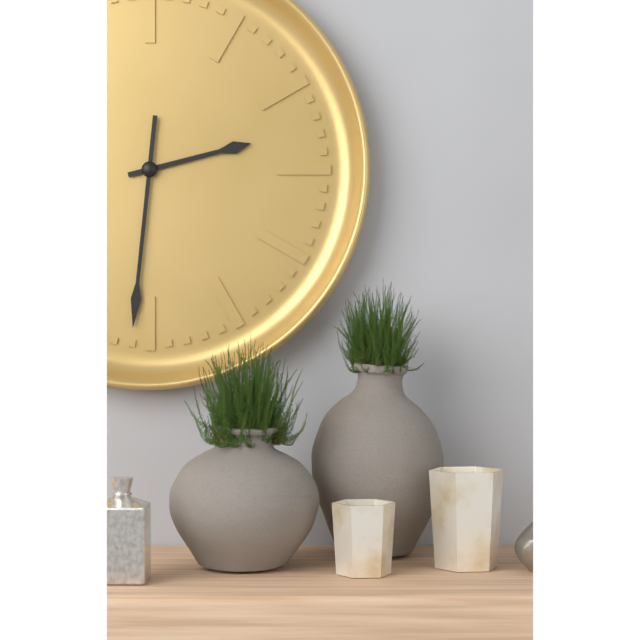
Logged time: 2 h 31 min
